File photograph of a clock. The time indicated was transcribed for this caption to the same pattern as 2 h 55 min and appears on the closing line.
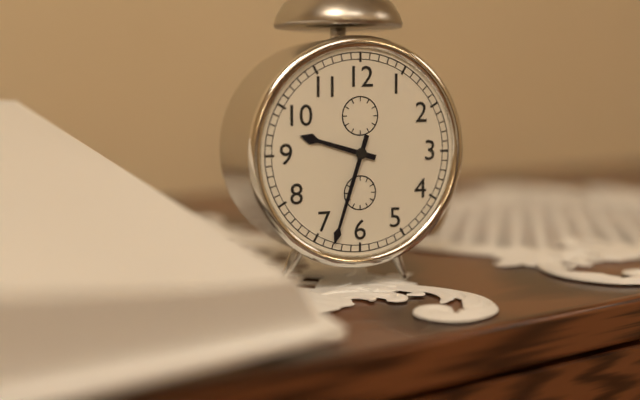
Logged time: 9 h 33 min
